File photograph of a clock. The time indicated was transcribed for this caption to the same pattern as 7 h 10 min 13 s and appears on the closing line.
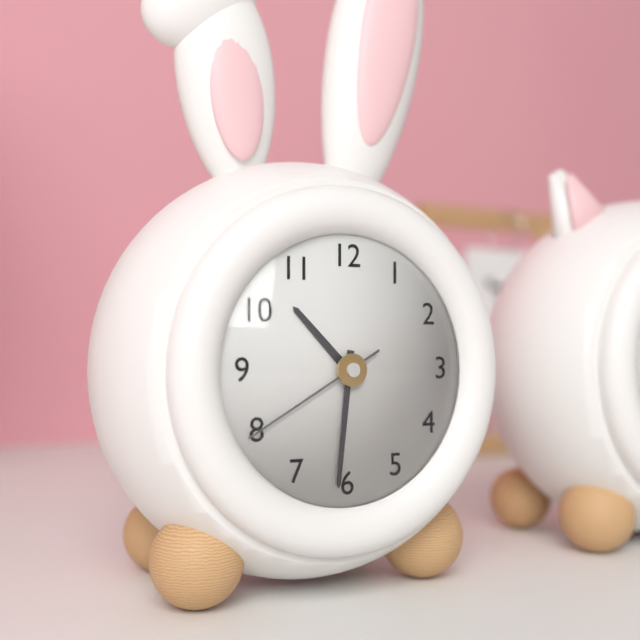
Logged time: 10 h 31 min 40 s
